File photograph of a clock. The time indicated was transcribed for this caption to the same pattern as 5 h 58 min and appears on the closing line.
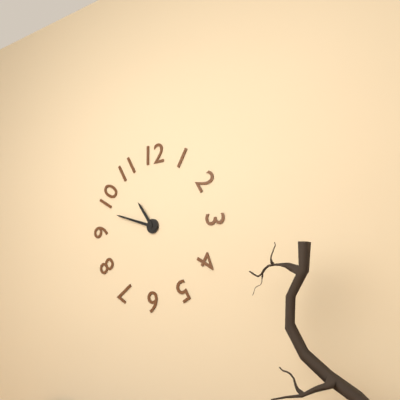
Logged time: 10 h 48 min
